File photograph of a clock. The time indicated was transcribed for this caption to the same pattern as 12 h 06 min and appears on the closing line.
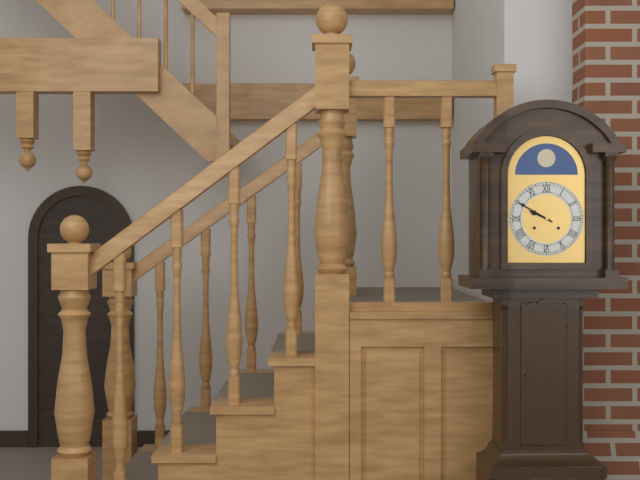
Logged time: 9 h 50 min
